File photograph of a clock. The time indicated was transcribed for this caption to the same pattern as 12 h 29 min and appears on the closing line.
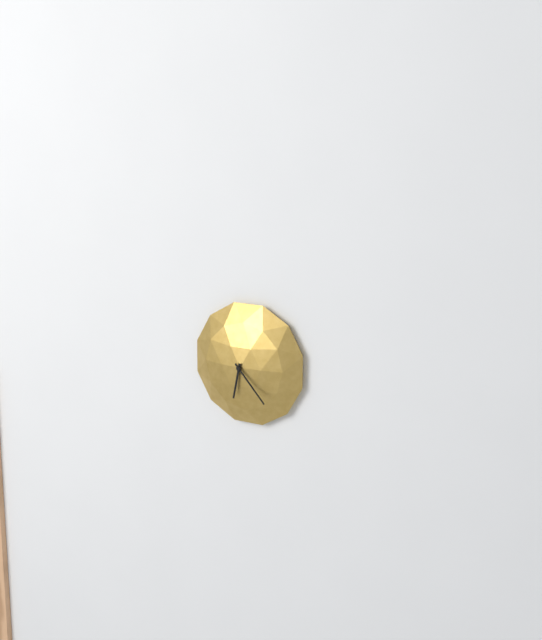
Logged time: 6 h 23 min
